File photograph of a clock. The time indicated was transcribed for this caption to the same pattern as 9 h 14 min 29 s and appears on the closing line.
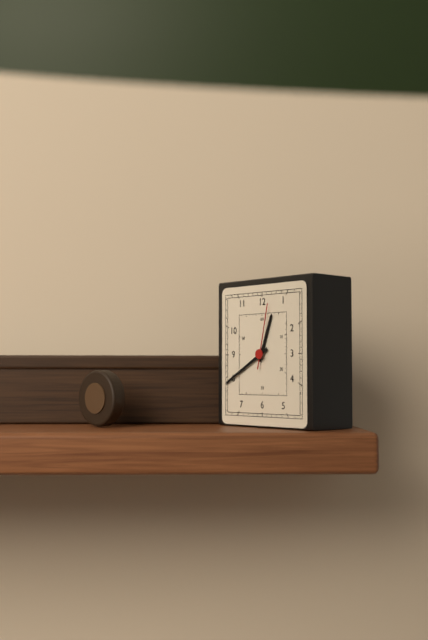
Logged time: 12 h 40 min 02 s
